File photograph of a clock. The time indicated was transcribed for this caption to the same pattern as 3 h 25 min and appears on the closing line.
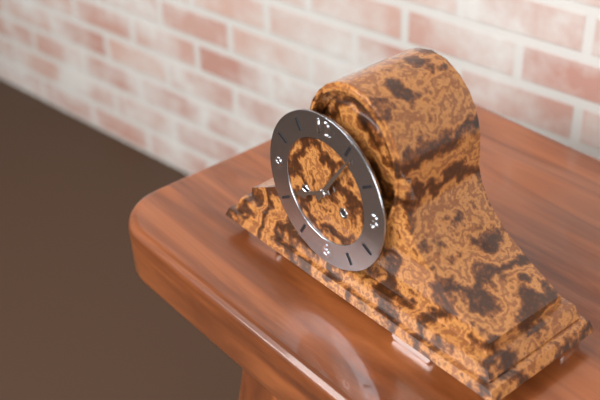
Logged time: 8 h 06 min
